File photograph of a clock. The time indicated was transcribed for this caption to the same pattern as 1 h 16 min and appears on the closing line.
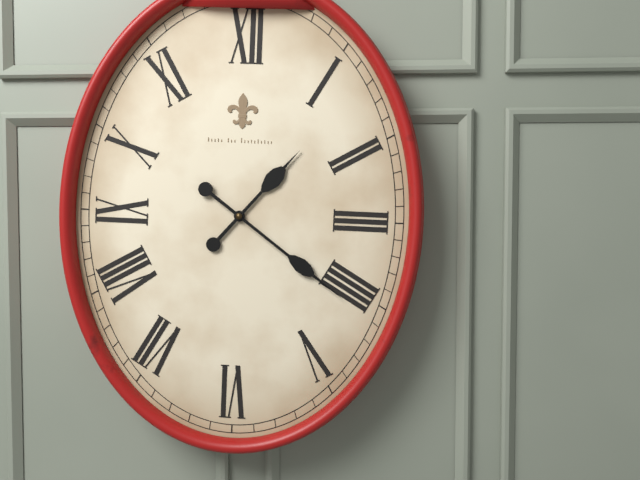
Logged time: 1 h 21 min
